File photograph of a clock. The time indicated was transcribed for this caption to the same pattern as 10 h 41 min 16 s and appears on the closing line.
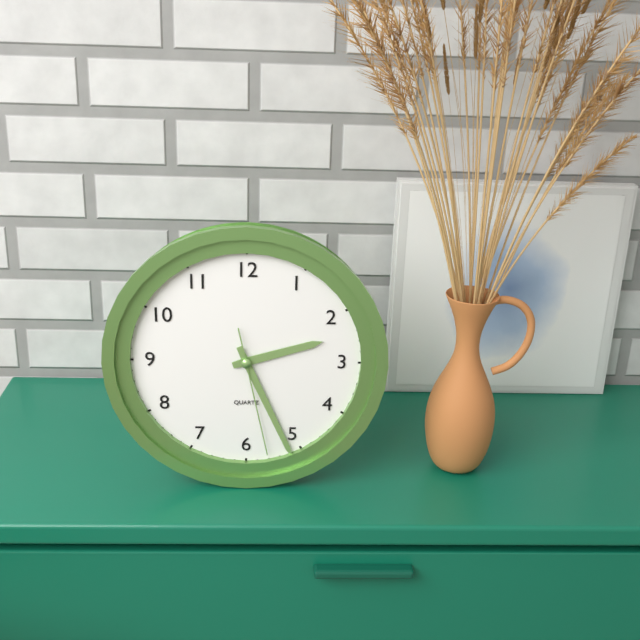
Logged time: 2 h 26 min 28 s
